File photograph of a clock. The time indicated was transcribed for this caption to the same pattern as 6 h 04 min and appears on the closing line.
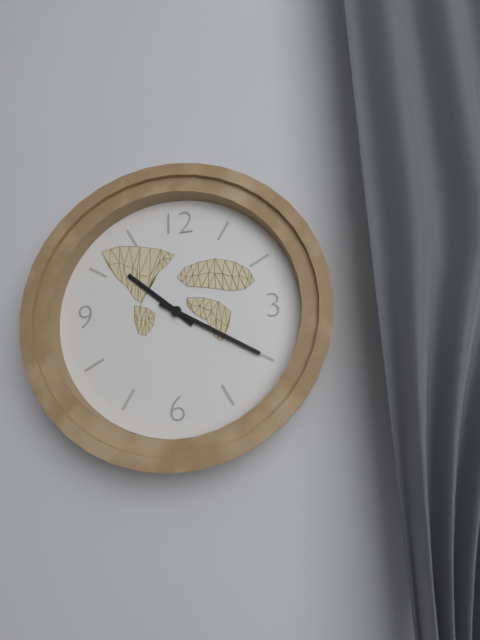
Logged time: 10 h 20 min
